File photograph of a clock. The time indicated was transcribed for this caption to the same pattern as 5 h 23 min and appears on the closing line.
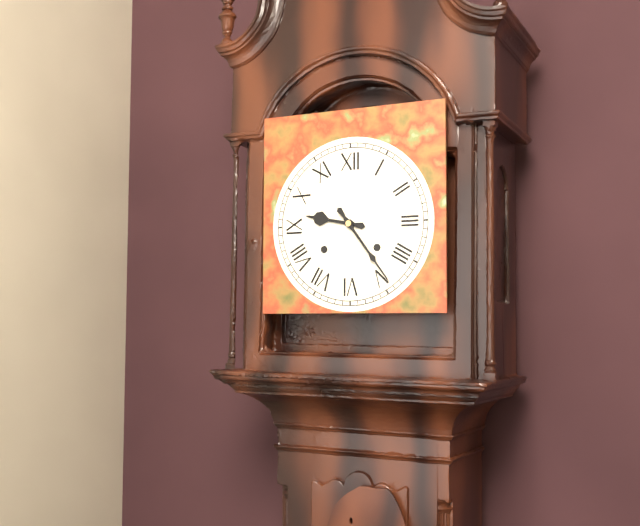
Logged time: 9 h 24 min
